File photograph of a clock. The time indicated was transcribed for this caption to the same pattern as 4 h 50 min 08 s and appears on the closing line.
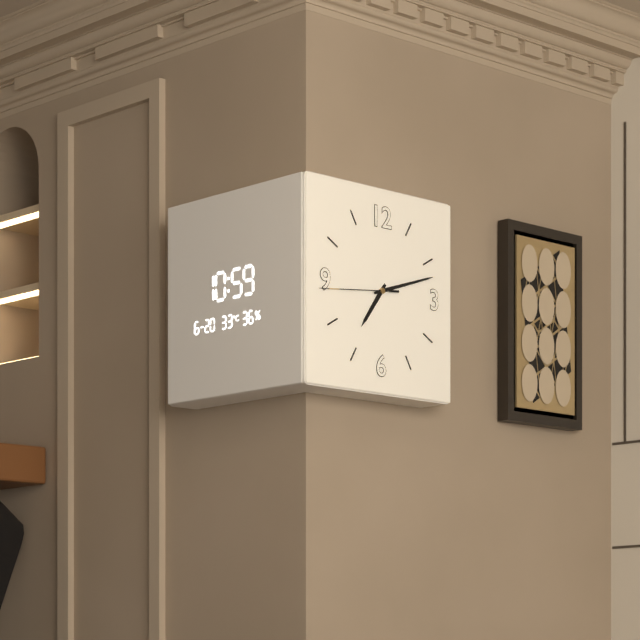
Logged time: 7 h 12 min 44 s
